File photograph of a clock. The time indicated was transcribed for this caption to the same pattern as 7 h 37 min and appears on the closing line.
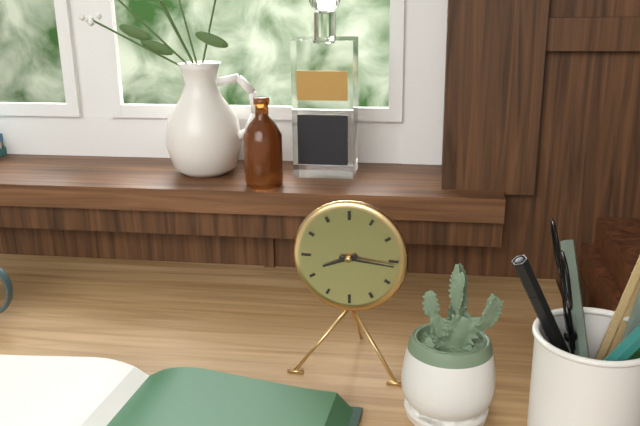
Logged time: 8 h 16 min
